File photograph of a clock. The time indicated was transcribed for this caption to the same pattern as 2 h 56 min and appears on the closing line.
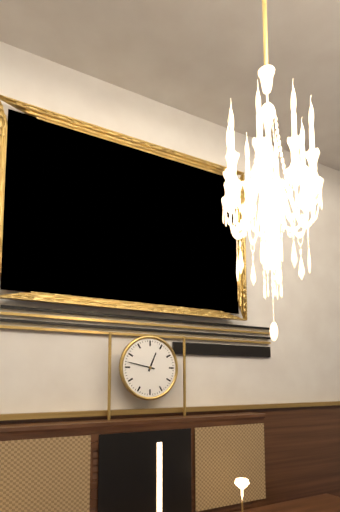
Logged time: 12 h 47 min
